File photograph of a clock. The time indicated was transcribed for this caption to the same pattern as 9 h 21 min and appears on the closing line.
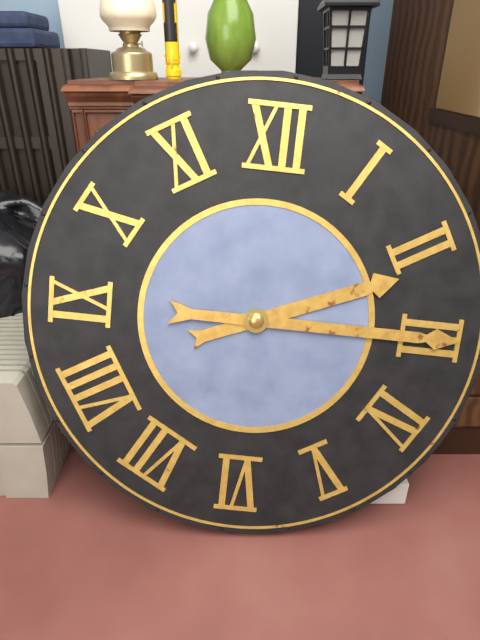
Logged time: 2 h 15 min
